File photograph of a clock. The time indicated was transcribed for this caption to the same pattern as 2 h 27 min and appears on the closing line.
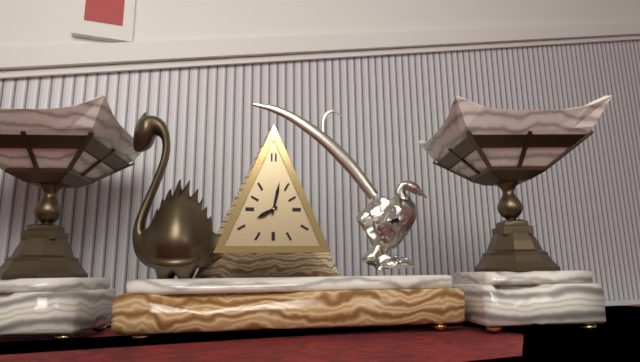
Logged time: 8 h 02 min
